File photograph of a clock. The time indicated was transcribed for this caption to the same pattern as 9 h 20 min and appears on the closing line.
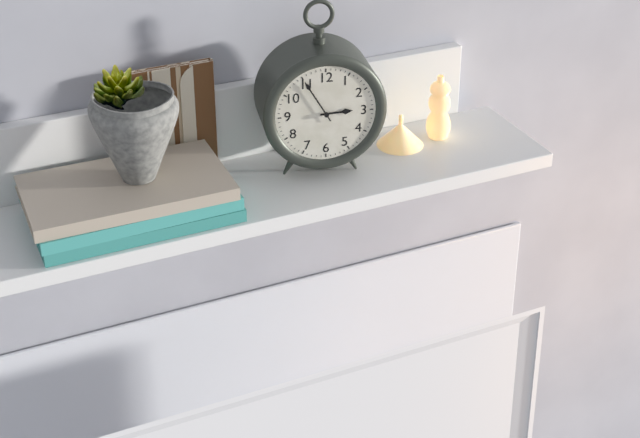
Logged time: 2 h 55 min
